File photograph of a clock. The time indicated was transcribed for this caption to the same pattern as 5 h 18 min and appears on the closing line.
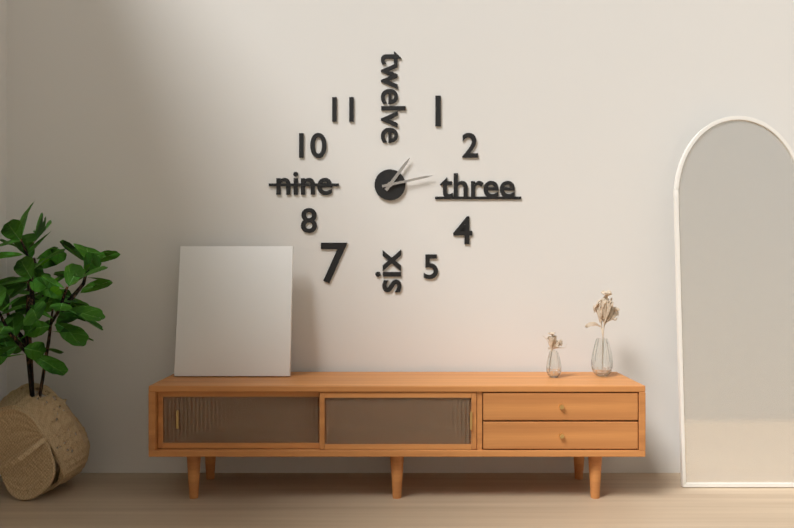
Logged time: 1 h 13 min
